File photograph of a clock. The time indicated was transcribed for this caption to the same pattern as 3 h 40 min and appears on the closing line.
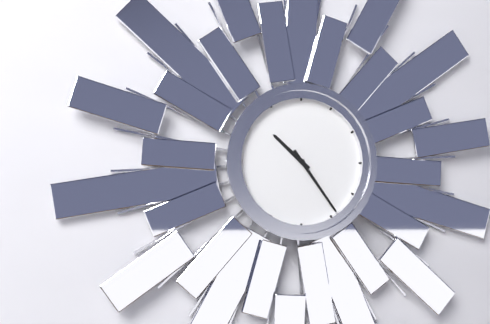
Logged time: 10 h 24 min
